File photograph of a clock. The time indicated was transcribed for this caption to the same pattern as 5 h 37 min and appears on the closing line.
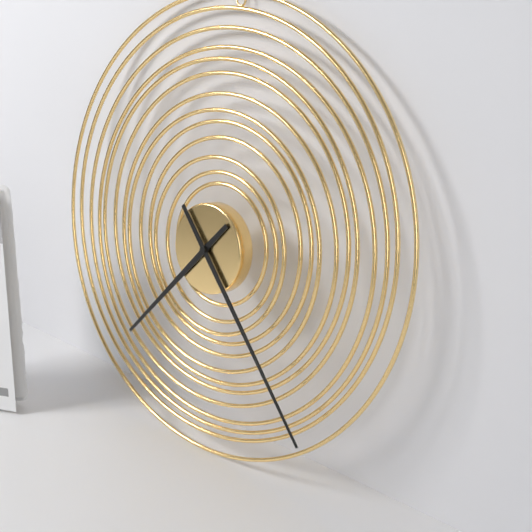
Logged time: 7 h 23 min
